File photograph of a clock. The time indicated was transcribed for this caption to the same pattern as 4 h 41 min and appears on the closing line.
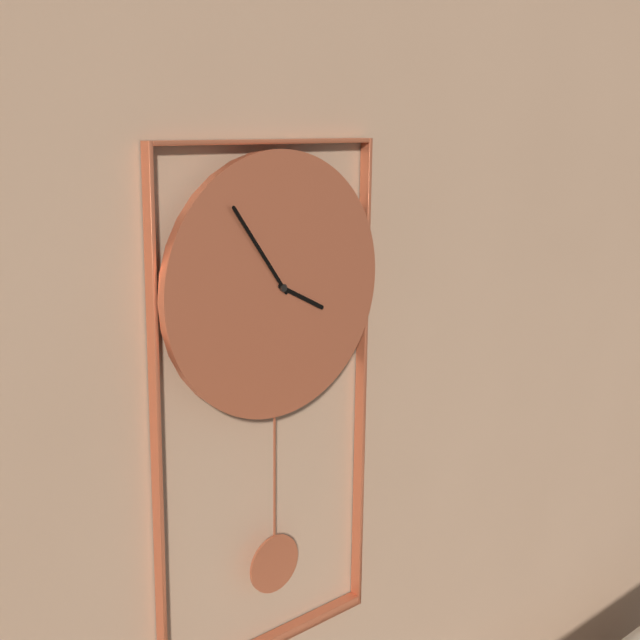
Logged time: 3 h 54 min
